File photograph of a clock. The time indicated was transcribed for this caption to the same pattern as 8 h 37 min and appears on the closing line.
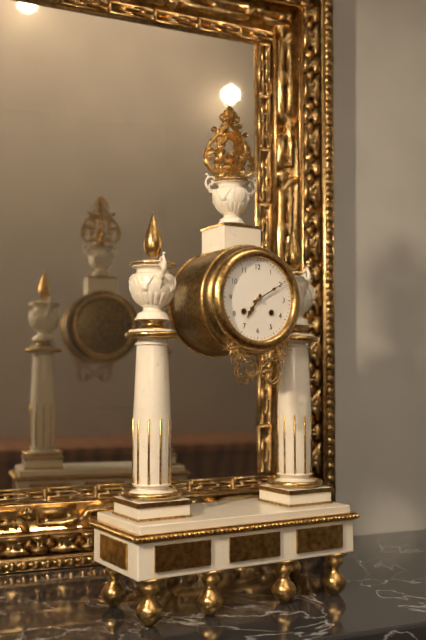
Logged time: 7 h 10 min
